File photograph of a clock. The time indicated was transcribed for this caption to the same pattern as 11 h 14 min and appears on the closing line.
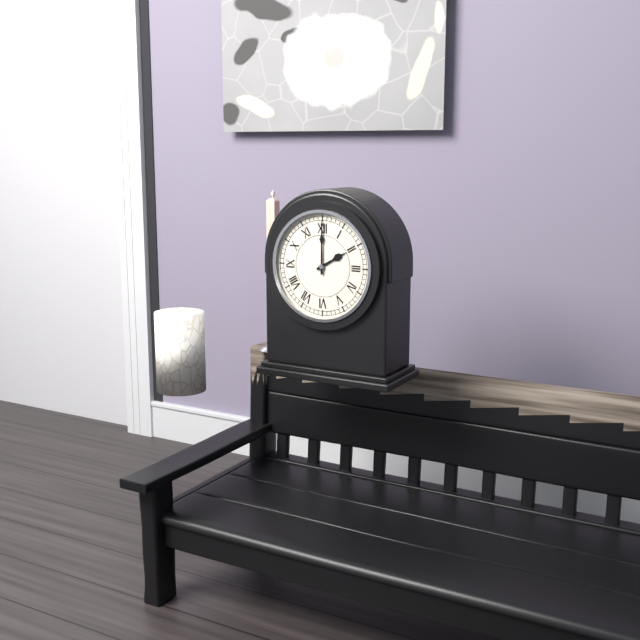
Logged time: 2 h 00 min
